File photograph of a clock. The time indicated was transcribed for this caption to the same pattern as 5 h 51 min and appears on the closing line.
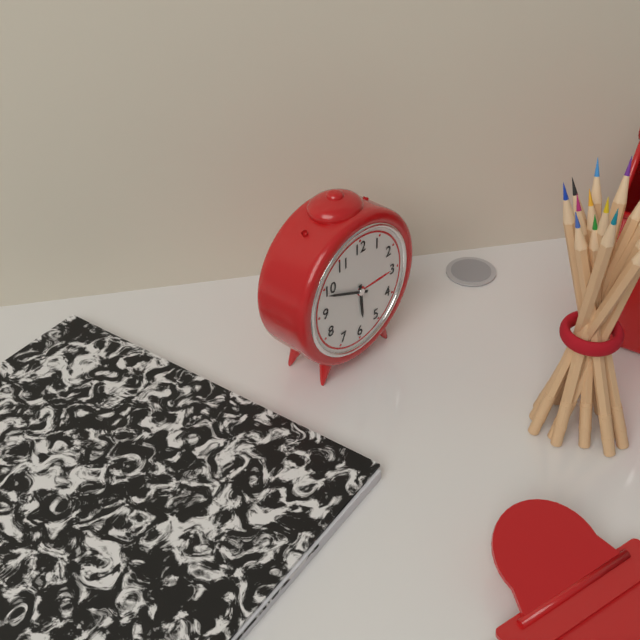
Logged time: 5 h 49 min
